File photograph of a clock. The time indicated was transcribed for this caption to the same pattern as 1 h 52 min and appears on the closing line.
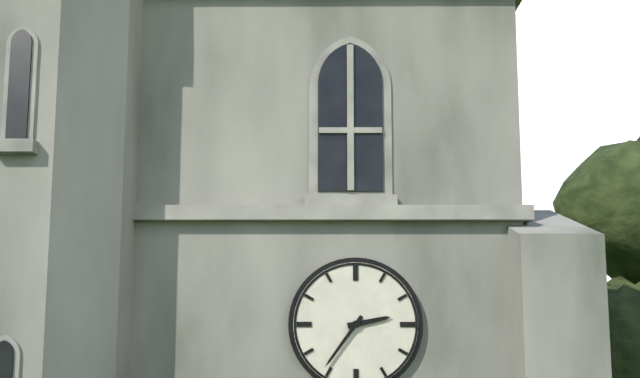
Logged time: 2 h 36 min
